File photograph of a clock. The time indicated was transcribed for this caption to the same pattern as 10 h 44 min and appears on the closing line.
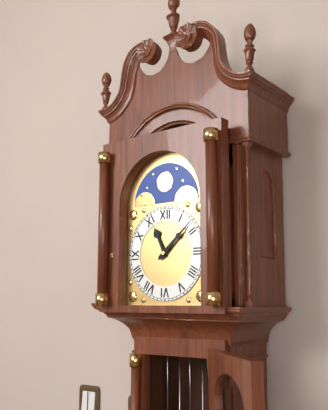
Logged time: 11 h 08 min
